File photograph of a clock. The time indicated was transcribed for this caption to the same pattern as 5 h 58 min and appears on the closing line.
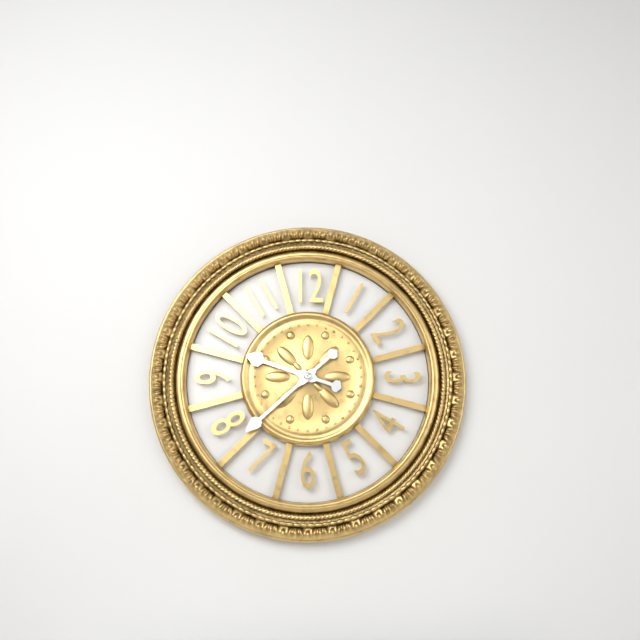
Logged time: 9 h 38 min
